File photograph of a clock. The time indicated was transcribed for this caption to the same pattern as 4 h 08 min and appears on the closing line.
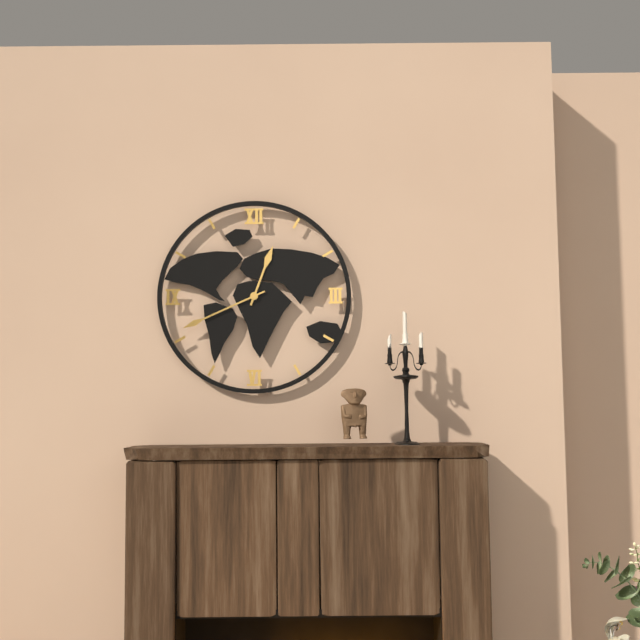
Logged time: 12 h 41 min
